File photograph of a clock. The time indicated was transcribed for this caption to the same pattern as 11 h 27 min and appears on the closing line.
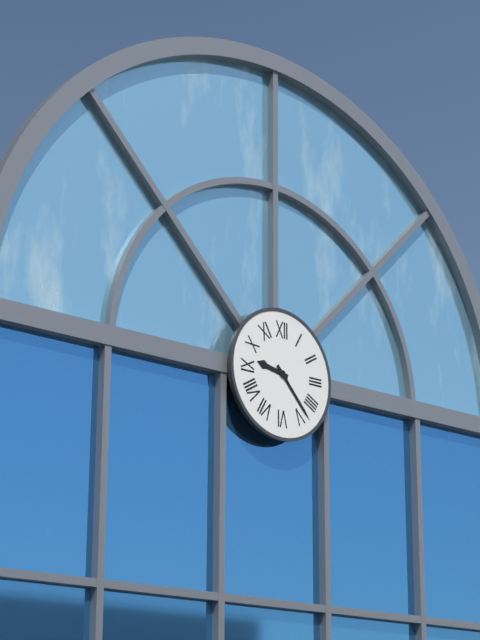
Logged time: 9 h 23 min
